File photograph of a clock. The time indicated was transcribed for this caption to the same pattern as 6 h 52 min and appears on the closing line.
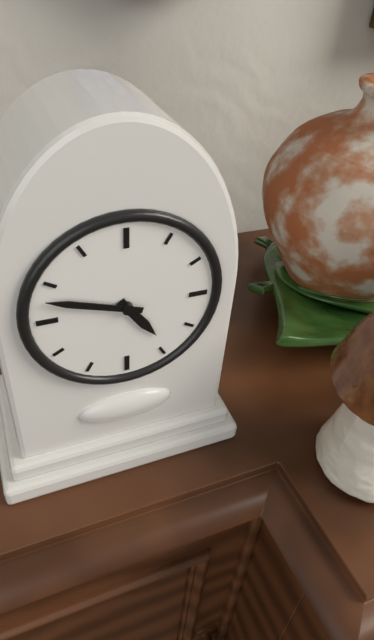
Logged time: 4 h 48 min
